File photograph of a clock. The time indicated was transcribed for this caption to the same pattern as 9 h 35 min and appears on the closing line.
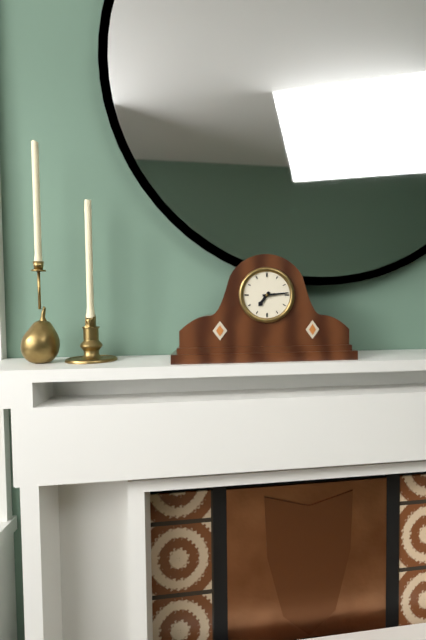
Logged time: 7 h 14 min
